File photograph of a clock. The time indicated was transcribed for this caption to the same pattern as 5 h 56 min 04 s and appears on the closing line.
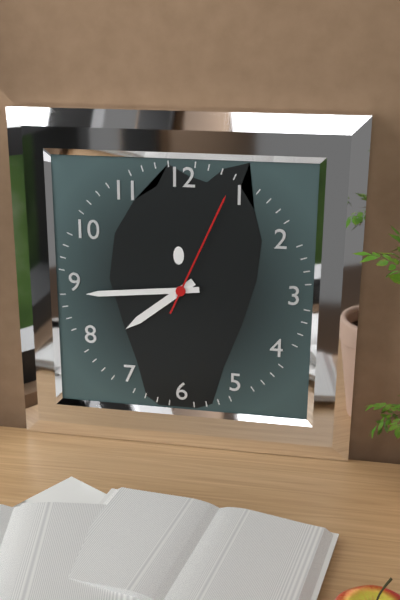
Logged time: 7 h 44 min 04 s
